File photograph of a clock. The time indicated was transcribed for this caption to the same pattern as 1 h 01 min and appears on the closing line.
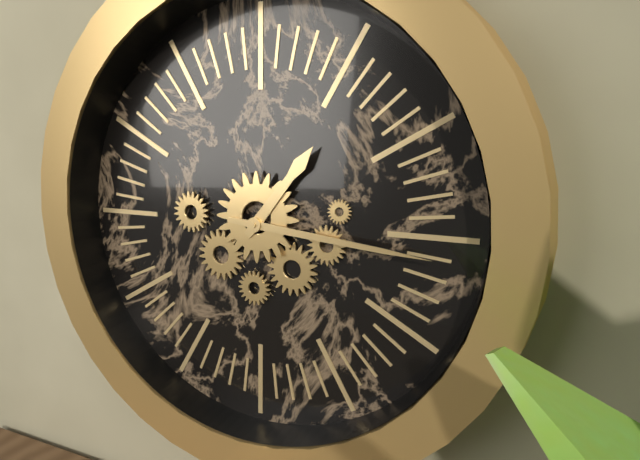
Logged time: 1 h 16 min
